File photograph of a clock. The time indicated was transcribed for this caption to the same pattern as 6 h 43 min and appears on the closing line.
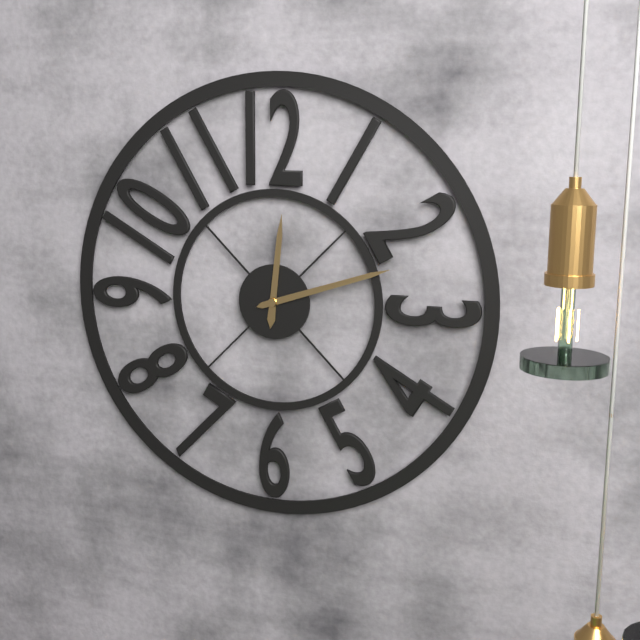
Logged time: 12 h 12 min
